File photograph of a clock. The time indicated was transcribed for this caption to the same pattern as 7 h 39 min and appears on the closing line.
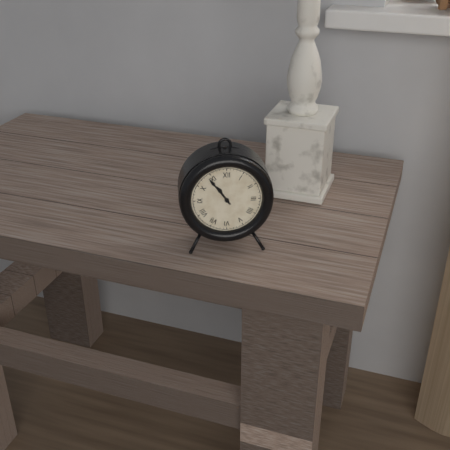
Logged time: 10 h 54 min
